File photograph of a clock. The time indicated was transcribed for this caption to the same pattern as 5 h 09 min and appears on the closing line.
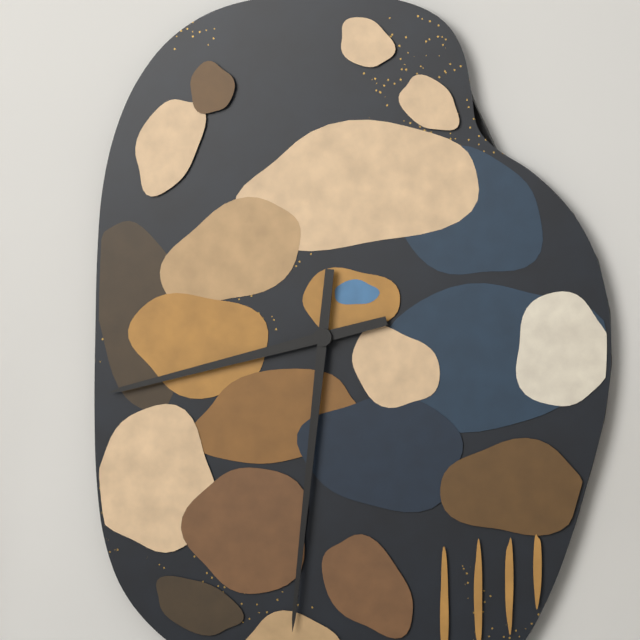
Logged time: 8 h 31 min
